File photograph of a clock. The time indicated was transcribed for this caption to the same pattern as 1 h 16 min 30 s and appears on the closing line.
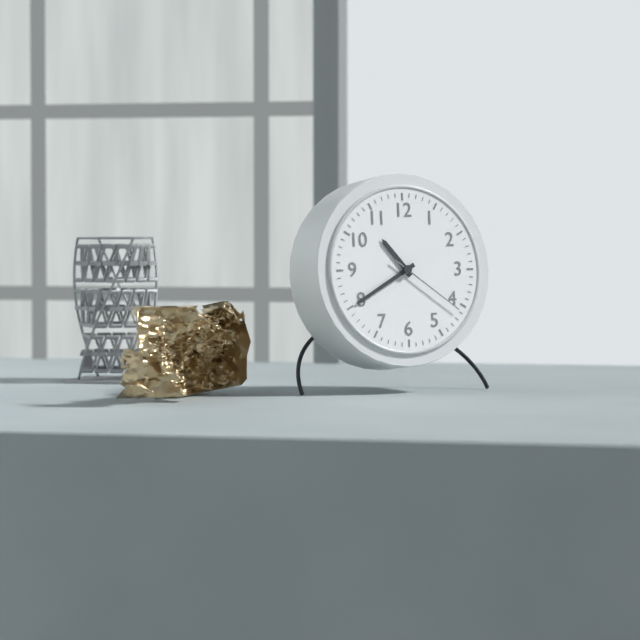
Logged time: 10 h 40 min 21 s
